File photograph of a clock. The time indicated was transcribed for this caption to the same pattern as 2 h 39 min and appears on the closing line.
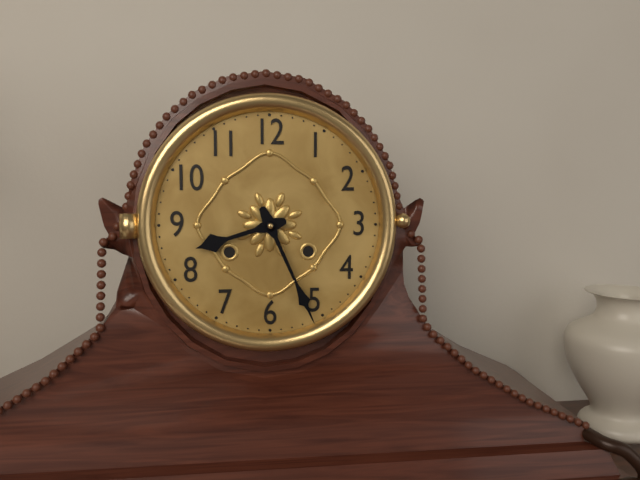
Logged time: 8 h 26 min
